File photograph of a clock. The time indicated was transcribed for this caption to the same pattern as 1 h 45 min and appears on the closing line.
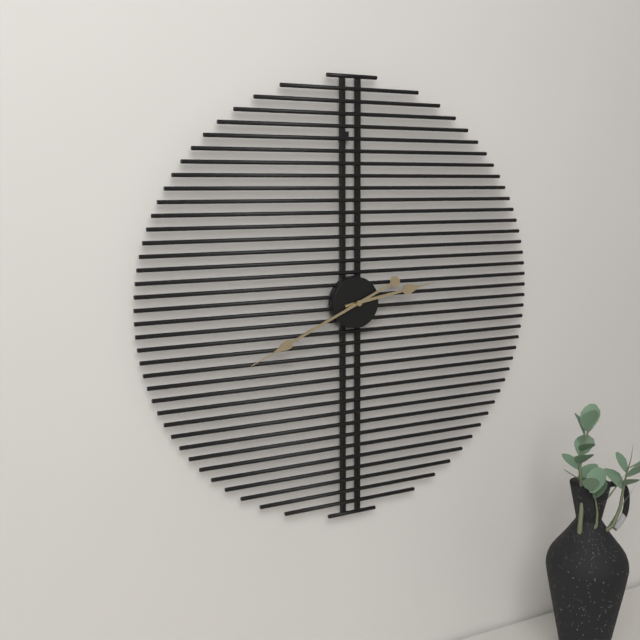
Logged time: 2 h 41 min
